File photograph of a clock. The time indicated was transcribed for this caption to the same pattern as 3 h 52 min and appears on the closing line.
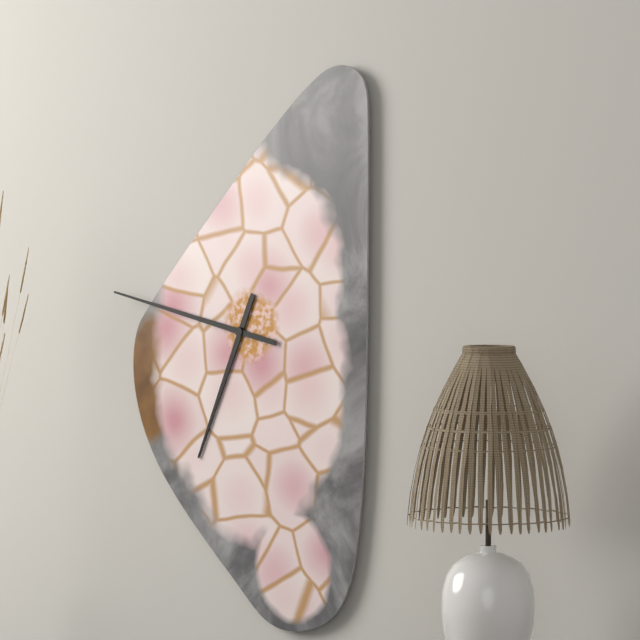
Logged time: 6 h 47 min
